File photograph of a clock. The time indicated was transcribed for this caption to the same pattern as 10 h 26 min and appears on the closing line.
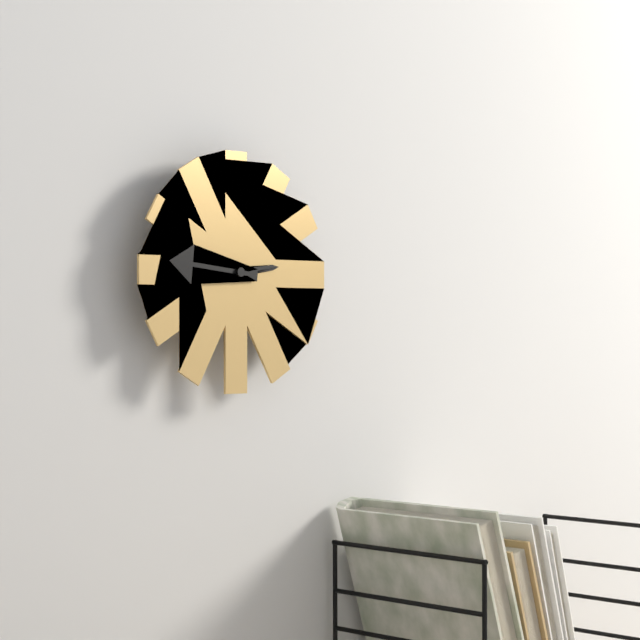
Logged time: 2 h 46 min
